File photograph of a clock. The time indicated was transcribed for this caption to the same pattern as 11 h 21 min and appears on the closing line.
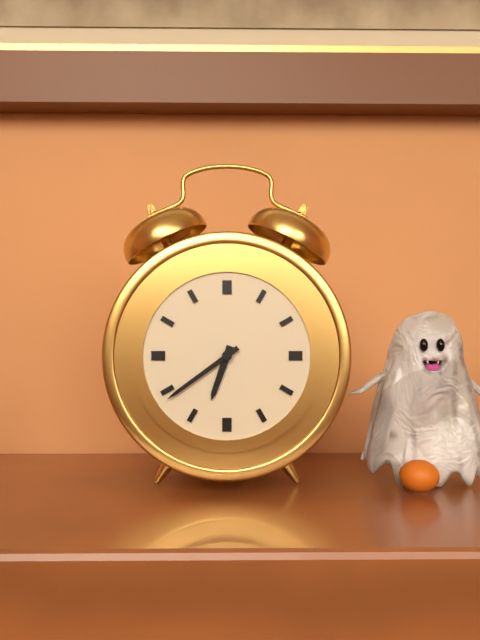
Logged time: 6 h 39 min
